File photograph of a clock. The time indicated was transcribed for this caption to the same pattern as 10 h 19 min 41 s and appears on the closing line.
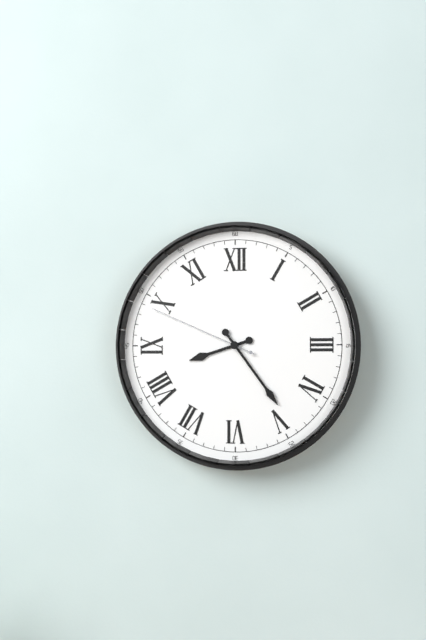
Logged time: 8 h 24 min 49 s
